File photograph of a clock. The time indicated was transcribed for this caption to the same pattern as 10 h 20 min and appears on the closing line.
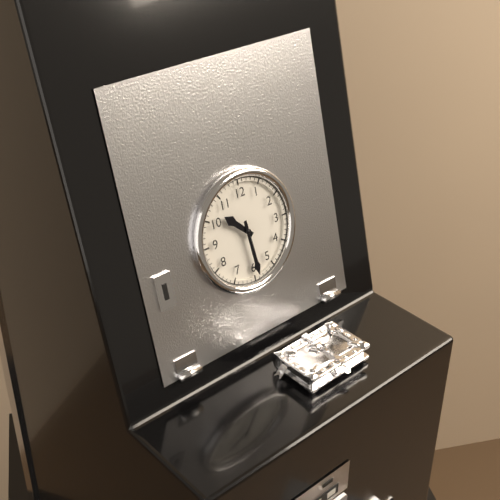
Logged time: 10 h 29 min
